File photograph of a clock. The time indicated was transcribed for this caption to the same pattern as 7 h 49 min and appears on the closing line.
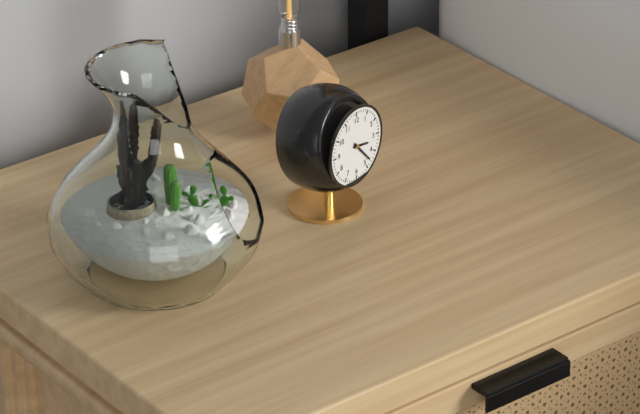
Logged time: 3 h 23 min
